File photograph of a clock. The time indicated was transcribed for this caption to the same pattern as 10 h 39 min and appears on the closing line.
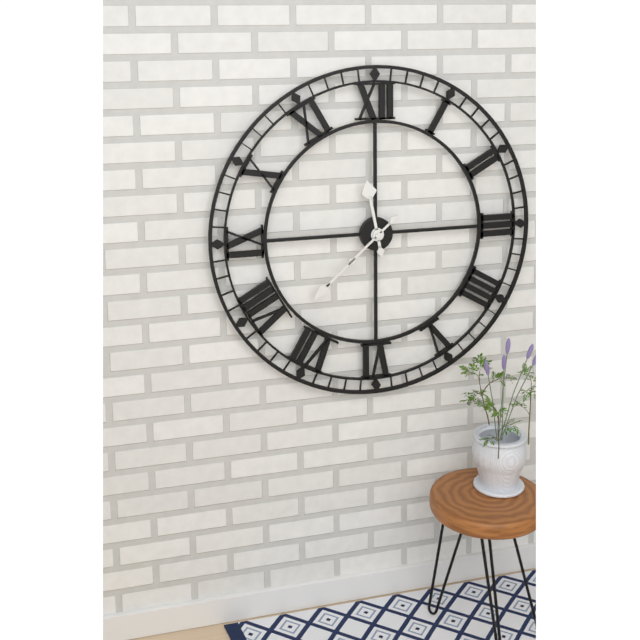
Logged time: 11 h 38 min
